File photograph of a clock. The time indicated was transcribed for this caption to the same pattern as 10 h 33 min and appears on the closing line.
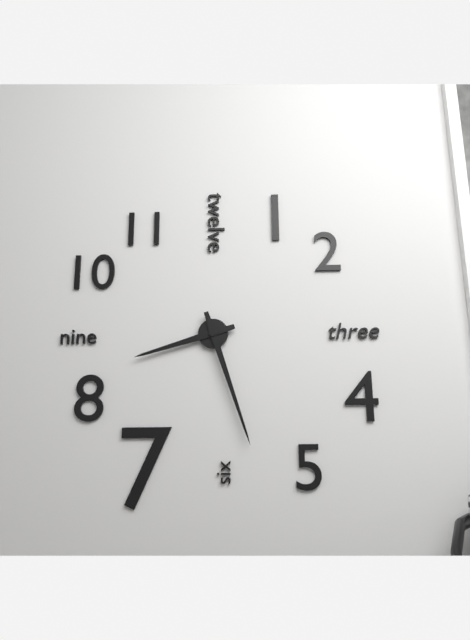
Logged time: 8 h 27 min
